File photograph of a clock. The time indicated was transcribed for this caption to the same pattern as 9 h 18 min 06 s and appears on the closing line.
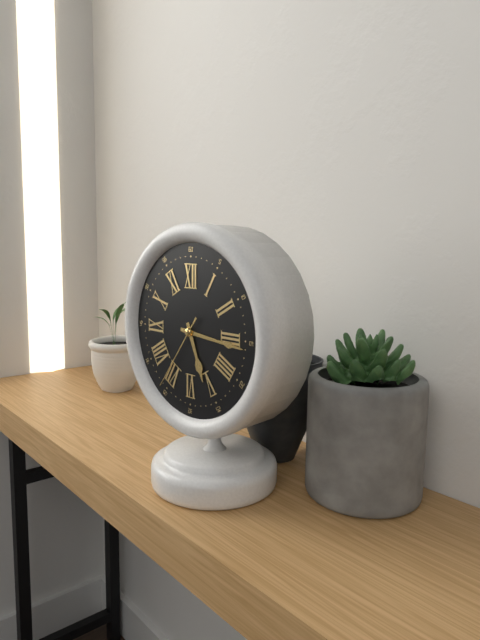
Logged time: 5 h 16 min 36 s
